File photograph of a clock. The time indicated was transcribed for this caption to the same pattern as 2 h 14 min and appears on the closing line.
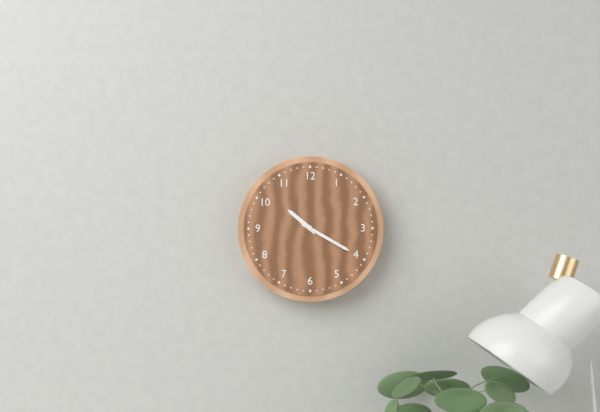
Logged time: 10 h 20 min
